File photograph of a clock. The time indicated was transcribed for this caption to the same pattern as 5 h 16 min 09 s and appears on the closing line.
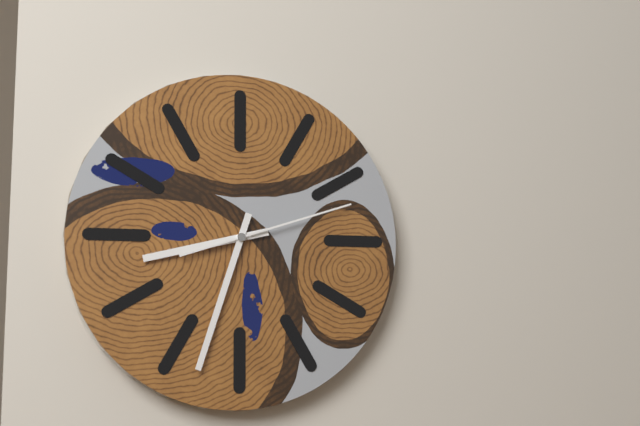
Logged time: 8 h 33 min 12 s
